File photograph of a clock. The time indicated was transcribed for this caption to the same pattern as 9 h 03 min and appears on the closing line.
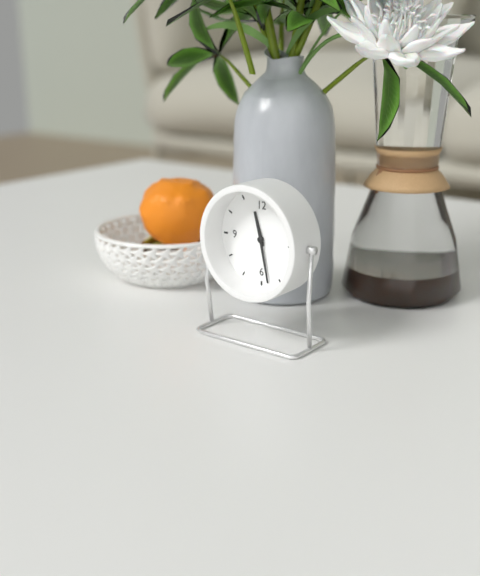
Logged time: 11 h 28 min
